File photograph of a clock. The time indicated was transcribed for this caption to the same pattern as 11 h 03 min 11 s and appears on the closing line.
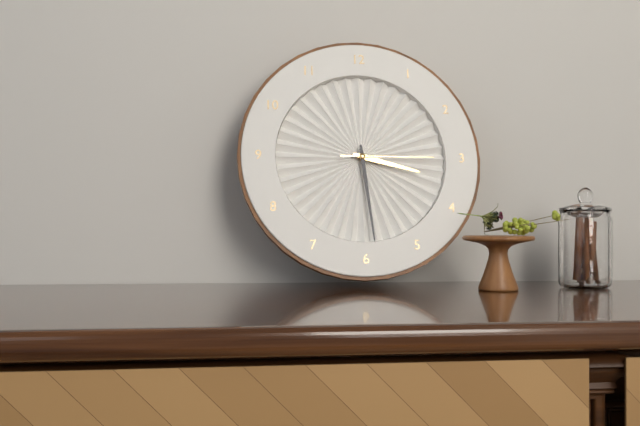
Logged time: 3 h 29 min 15 s
